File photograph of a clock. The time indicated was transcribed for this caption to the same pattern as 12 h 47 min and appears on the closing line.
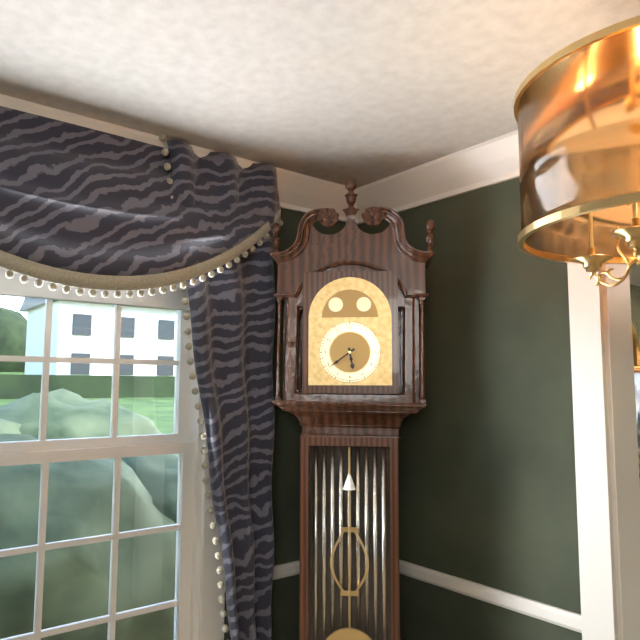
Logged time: 5 h 39 min
